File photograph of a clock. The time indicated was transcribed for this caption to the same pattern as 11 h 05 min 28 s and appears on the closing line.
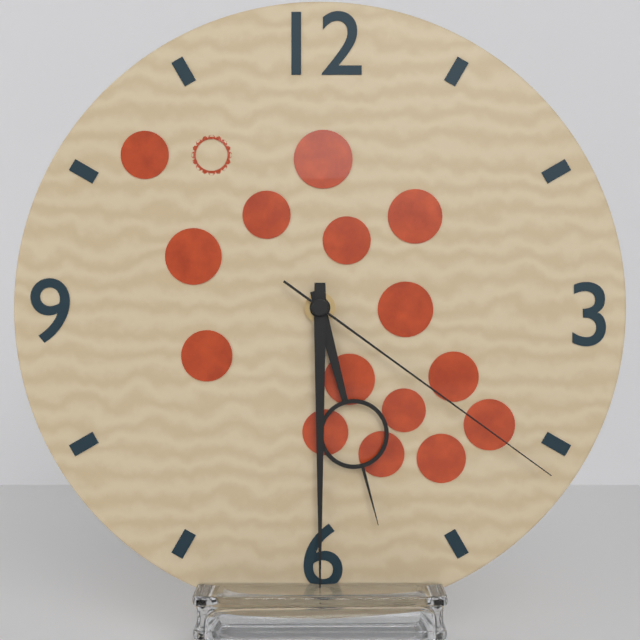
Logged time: 5 h 30 min 21 s
